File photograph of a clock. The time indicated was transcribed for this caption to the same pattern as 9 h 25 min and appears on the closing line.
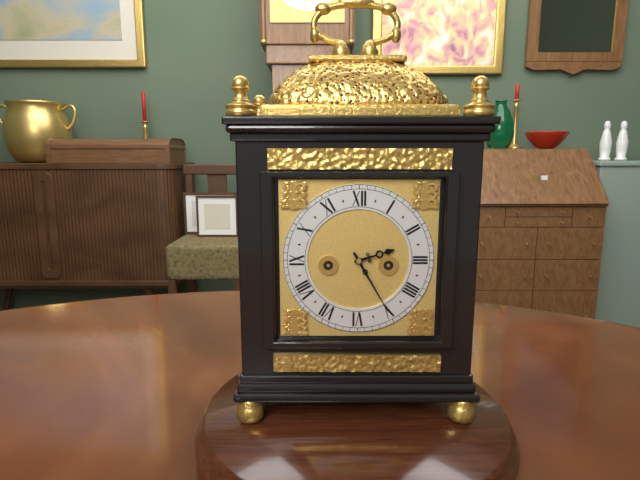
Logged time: 2 h 25 min
